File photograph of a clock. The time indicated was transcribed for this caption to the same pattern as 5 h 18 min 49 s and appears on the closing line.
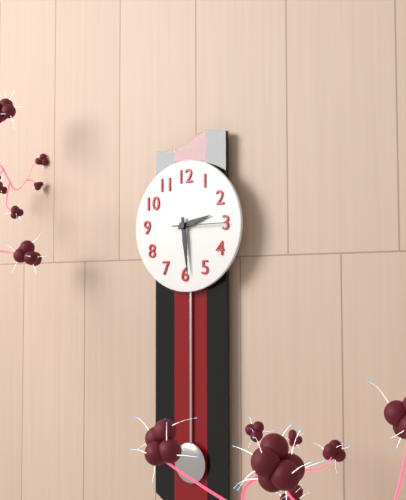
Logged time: 2 h 29 min 15 s
